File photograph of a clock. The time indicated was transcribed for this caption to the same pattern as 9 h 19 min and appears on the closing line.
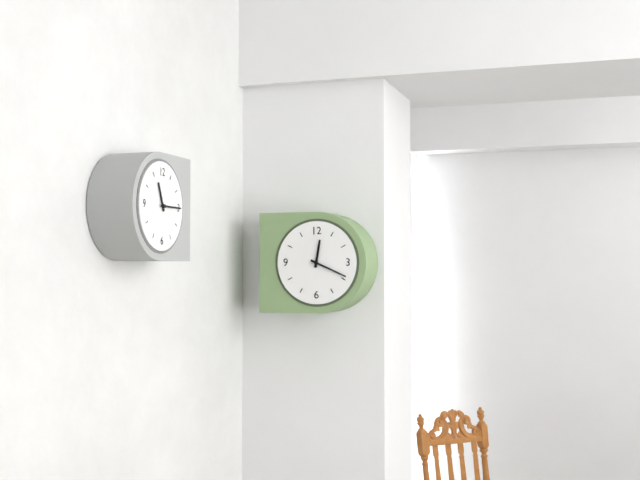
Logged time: 12 h 19 min
